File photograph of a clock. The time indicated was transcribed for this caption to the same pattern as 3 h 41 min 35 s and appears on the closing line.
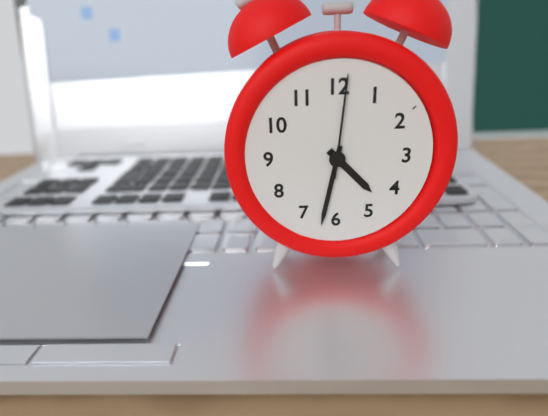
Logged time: 4 h 32 min 01 s
